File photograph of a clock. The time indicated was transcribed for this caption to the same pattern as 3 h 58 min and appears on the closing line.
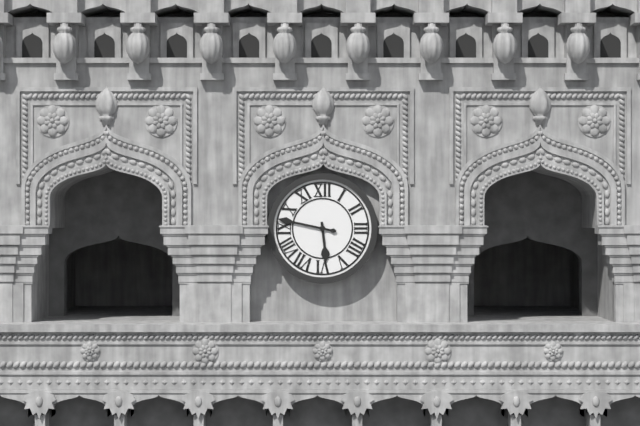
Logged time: 5 h 47 min
